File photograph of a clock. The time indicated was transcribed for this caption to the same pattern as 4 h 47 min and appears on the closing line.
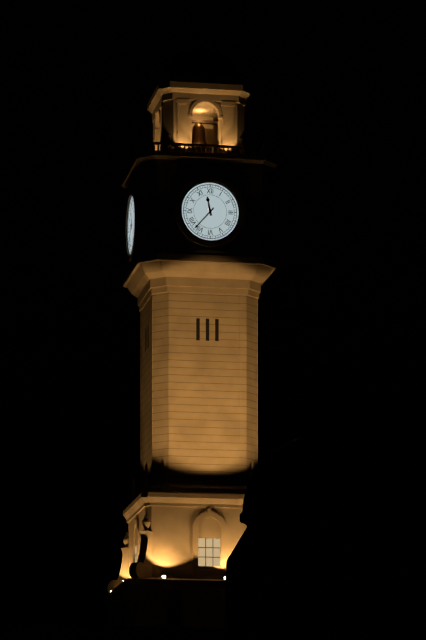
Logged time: 11 h 37 min
